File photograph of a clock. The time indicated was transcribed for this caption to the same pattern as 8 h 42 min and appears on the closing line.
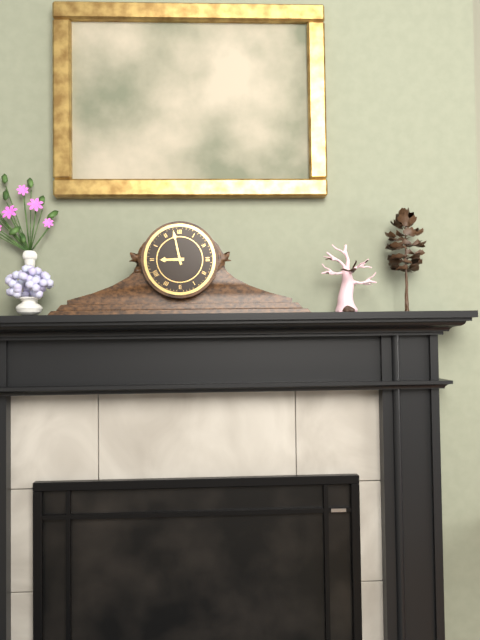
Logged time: 8 h 58 min
